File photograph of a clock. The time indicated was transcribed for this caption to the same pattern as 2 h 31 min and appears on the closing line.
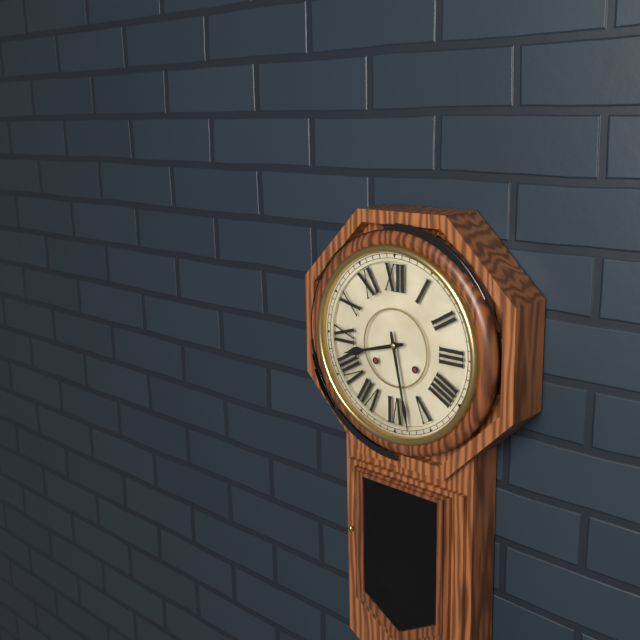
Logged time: 8 h 28 min
